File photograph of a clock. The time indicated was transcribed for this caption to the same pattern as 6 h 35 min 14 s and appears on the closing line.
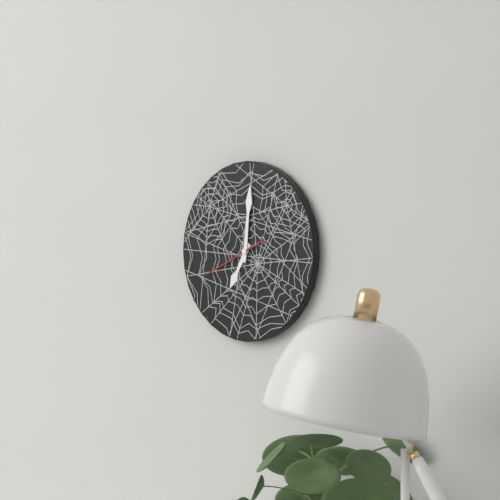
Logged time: 7 h 01 min 41 s
